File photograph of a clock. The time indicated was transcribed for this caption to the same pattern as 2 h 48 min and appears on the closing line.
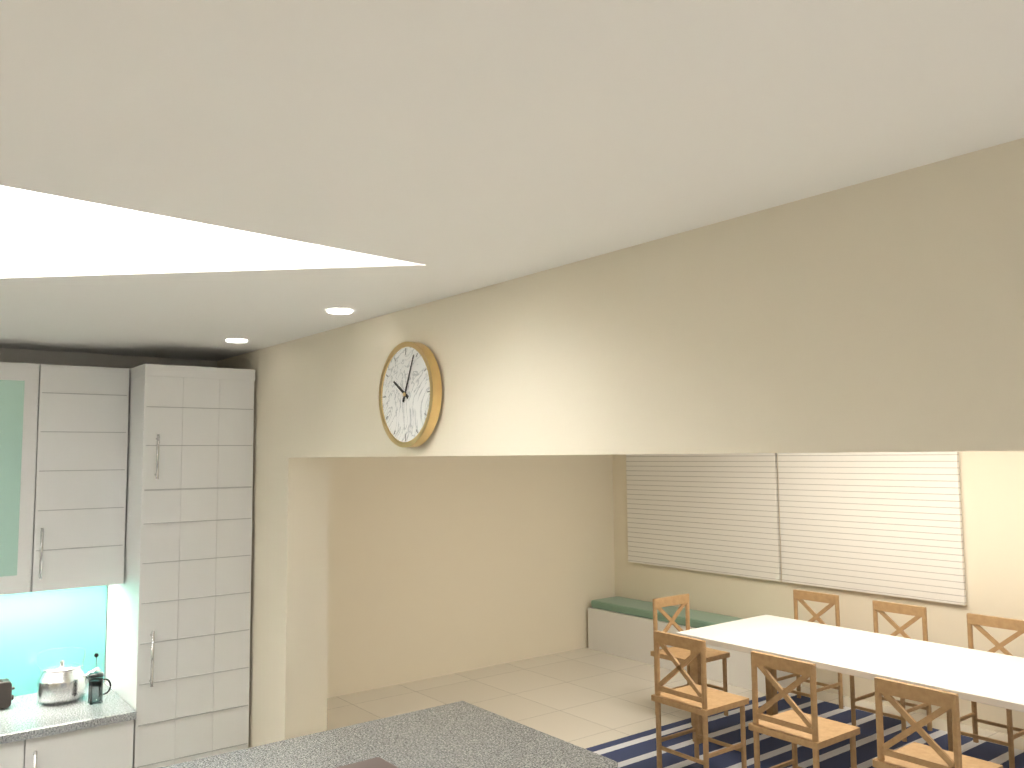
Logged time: 10 h 04 min
